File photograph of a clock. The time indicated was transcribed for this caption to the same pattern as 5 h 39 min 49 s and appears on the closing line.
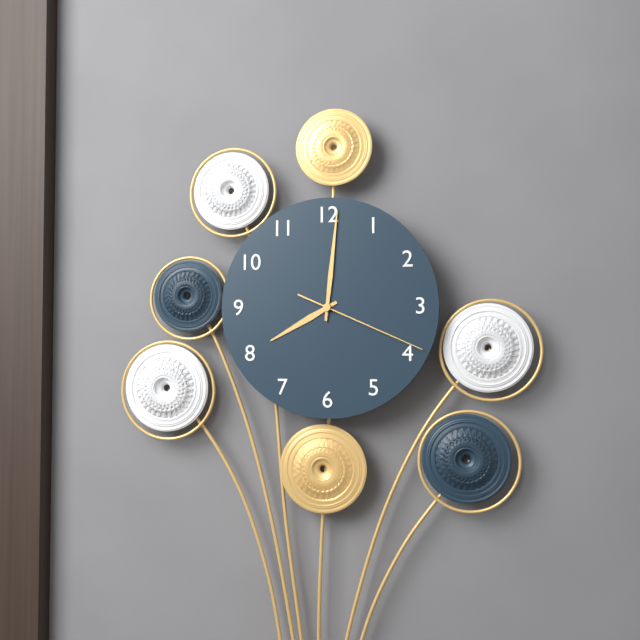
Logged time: 8 h 01 min 19 s
